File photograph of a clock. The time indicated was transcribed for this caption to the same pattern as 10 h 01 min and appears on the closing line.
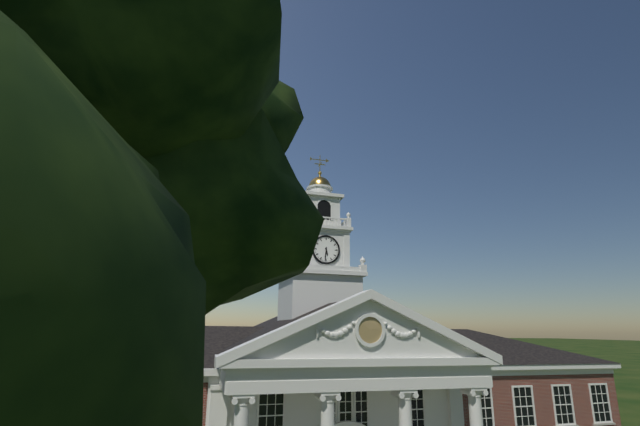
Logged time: 5 h 31 min
